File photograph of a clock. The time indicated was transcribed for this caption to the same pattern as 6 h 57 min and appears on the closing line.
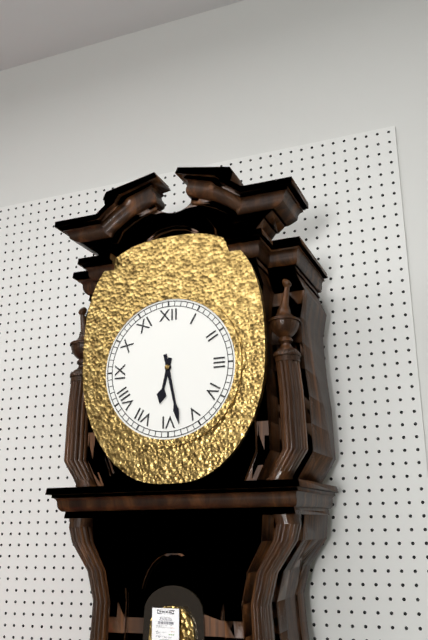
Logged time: 6 h 28 min
